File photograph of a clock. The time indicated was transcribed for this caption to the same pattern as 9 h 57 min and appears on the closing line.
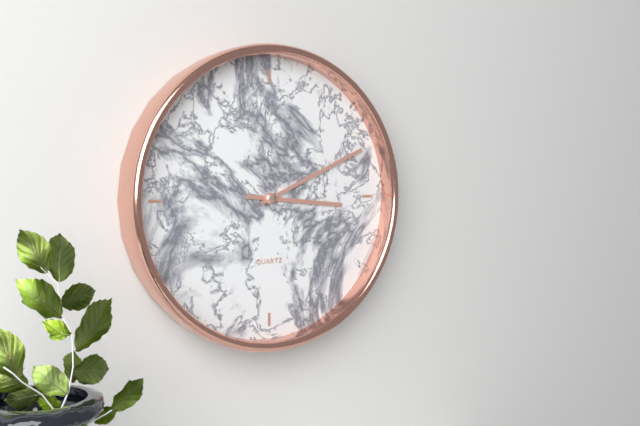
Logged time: 3 h 11 min
